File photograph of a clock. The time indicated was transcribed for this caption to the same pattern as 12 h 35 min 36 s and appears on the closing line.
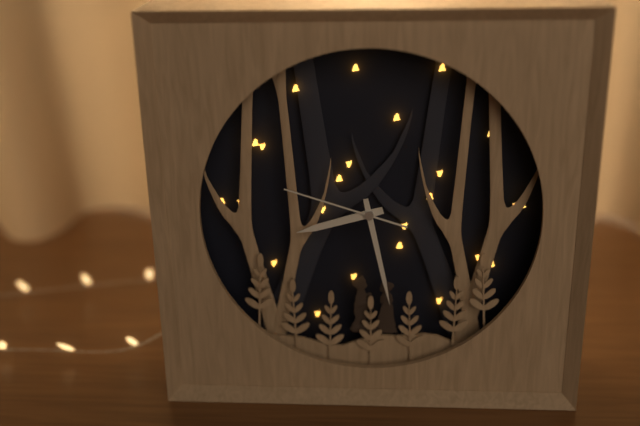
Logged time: 8 h 28 min 48 s
